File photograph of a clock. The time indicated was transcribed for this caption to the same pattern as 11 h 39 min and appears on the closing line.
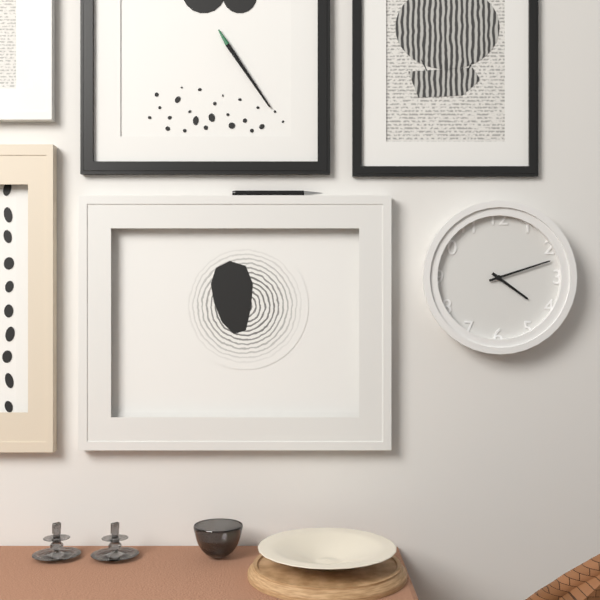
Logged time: 4 h 12 min
